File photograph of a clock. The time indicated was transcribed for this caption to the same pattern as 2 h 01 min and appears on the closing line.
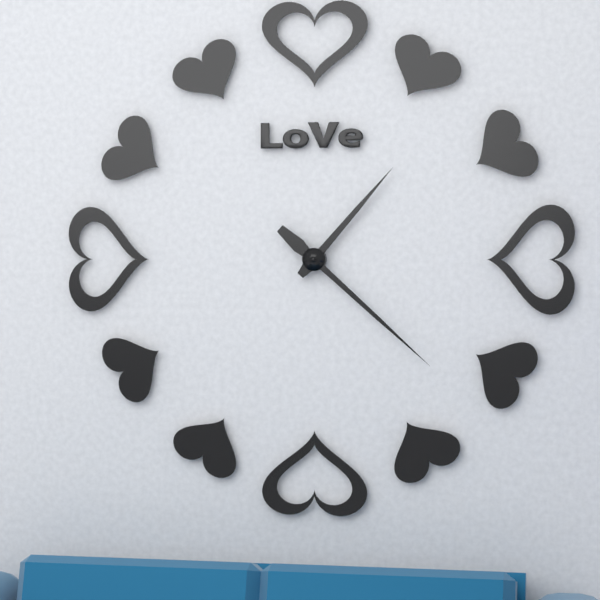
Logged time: 1 h 22 min
